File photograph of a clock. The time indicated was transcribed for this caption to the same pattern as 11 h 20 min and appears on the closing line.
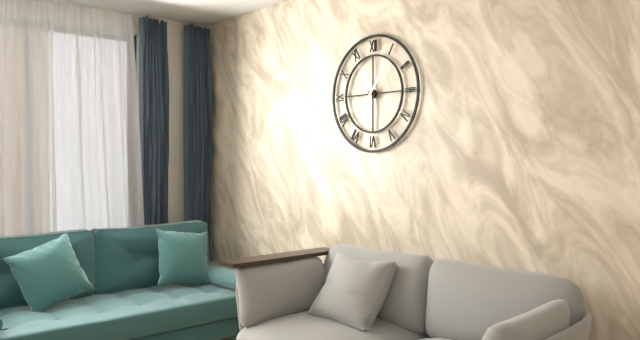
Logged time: 6 h 06 min
